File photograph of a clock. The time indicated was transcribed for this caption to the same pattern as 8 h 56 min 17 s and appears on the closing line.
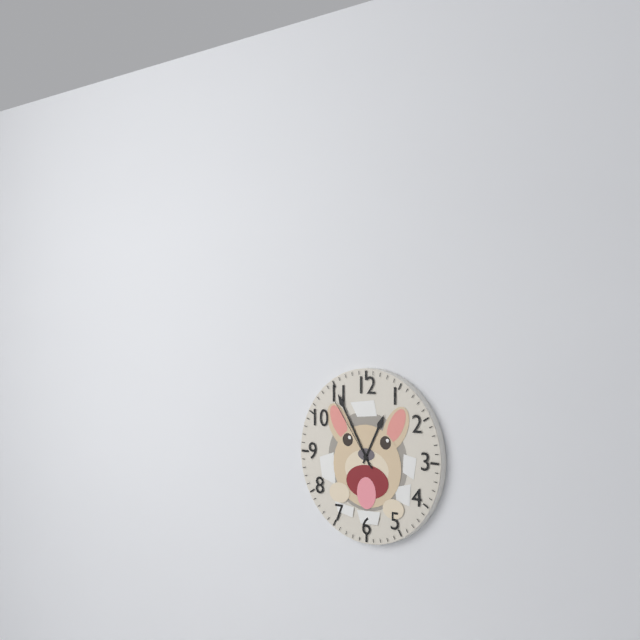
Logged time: 12 h 55 min 54 s
